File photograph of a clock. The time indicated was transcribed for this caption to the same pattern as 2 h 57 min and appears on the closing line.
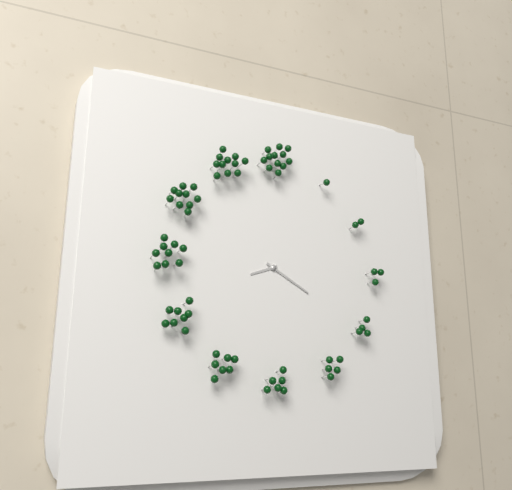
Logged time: 8 h 20 min
